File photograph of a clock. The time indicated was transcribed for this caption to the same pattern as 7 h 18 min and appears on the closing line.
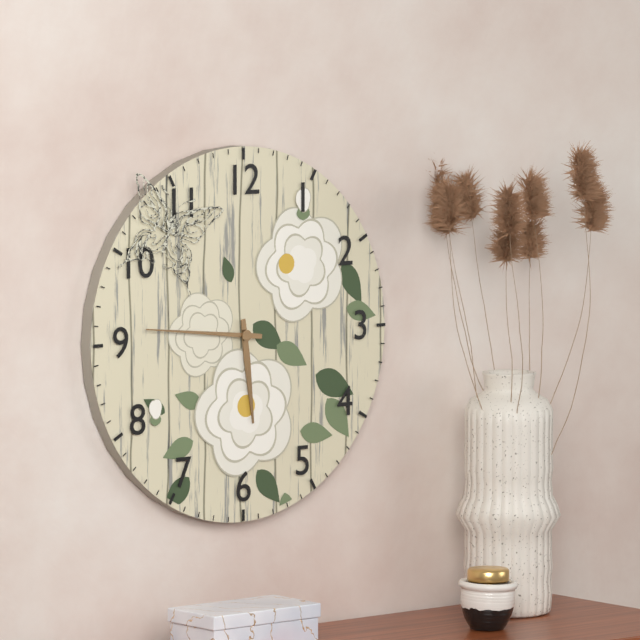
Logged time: 5 h 46 min
